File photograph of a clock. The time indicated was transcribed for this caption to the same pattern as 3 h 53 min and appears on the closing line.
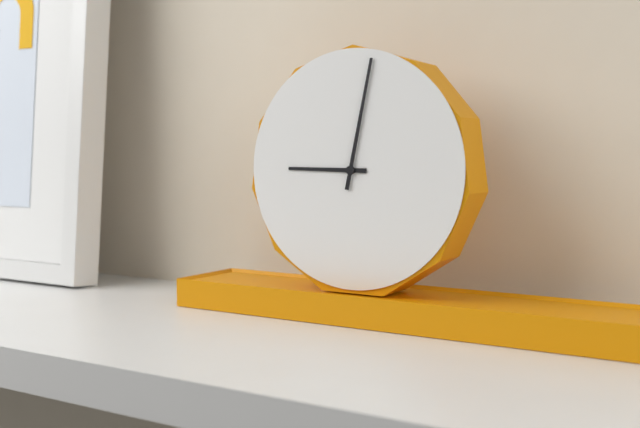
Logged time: 9 h 02 min
